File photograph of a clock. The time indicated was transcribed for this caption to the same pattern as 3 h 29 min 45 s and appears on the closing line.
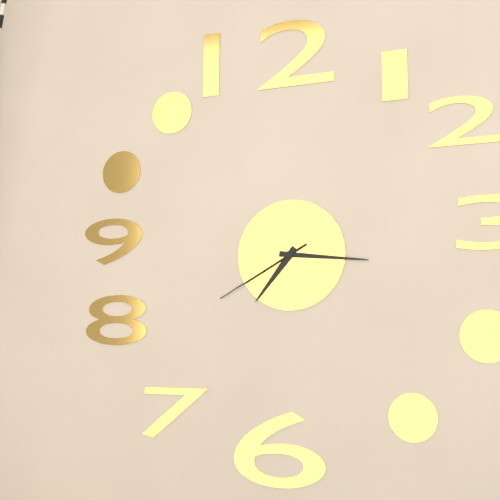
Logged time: 7 h 16 min 40 s
